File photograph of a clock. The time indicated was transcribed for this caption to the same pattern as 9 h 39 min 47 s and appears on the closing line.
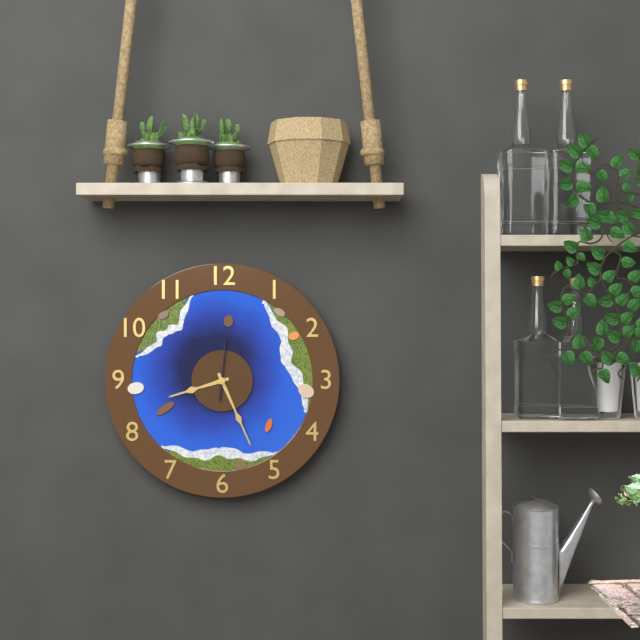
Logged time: 8 h 26 min 01 s
